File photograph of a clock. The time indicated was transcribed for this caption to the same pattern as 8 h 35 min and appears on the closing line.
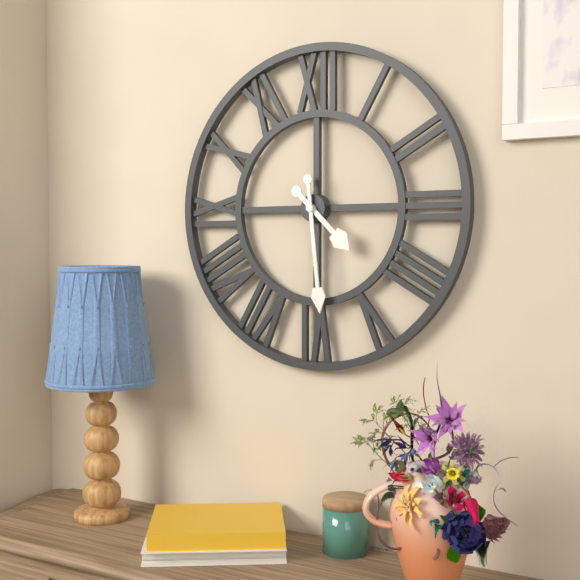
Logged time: 4 h 29 min
